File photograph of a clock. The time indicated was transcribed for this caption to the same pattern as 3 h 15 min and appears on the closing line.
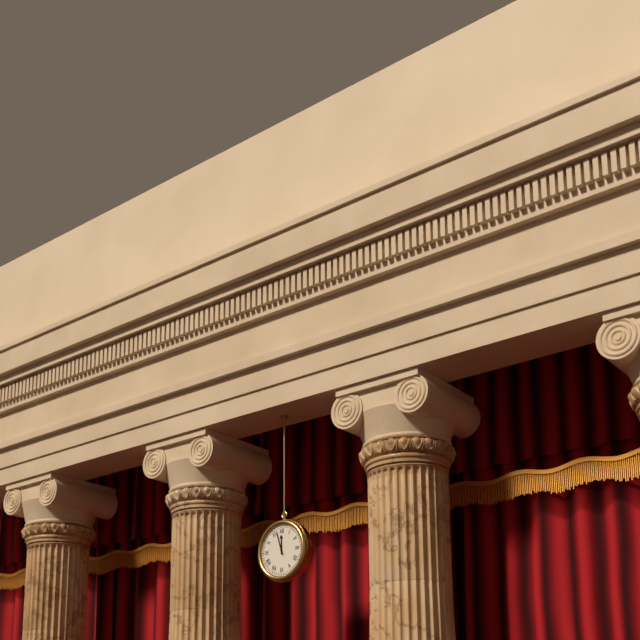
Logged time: 11 h 57 min
